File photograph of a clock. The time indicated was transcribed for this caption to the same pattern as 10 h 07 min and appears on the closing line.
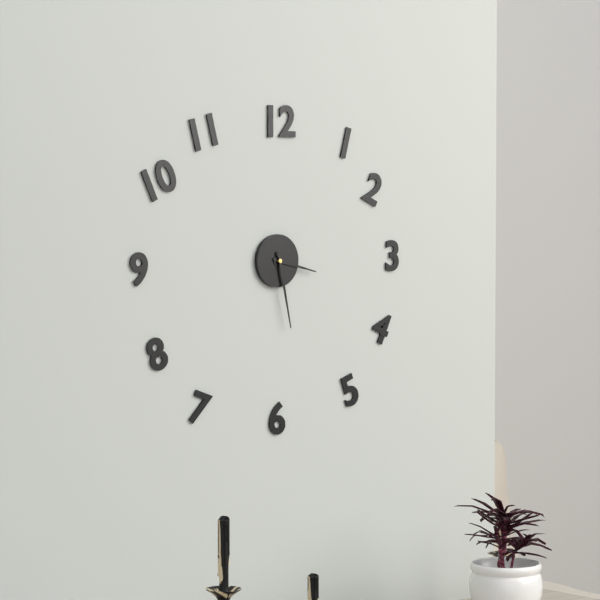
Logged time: 3 h 28 min
